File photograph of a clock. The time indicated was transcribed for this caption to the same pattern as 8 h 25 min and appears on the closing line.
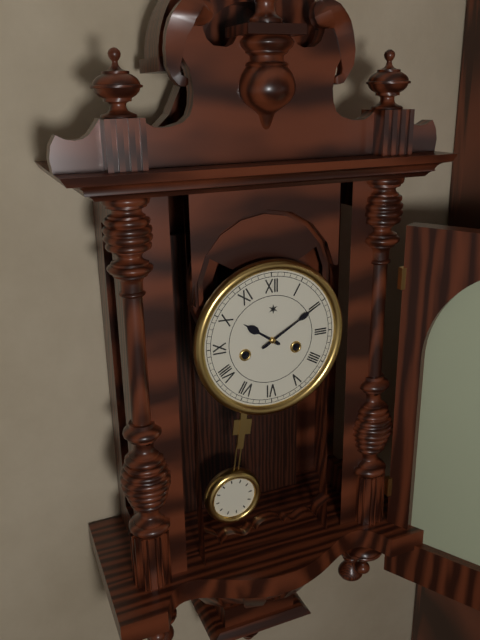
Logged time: 10 h 10 min
